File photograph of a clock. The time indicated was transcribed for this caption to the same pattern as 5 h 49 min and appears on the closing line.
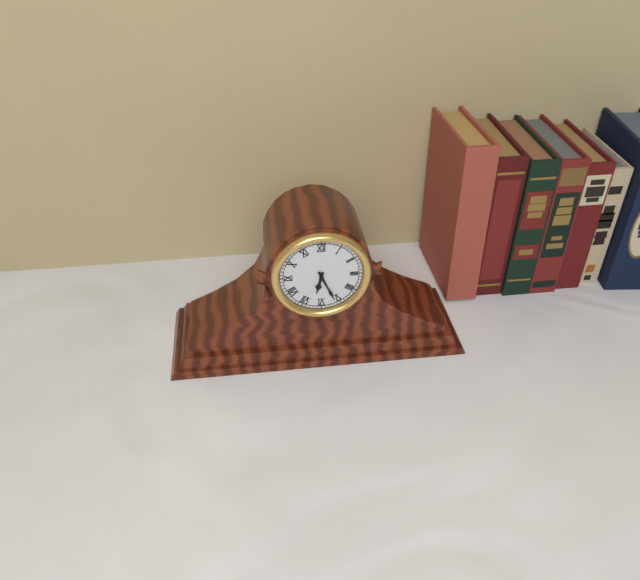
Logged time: 6 h 26 min
